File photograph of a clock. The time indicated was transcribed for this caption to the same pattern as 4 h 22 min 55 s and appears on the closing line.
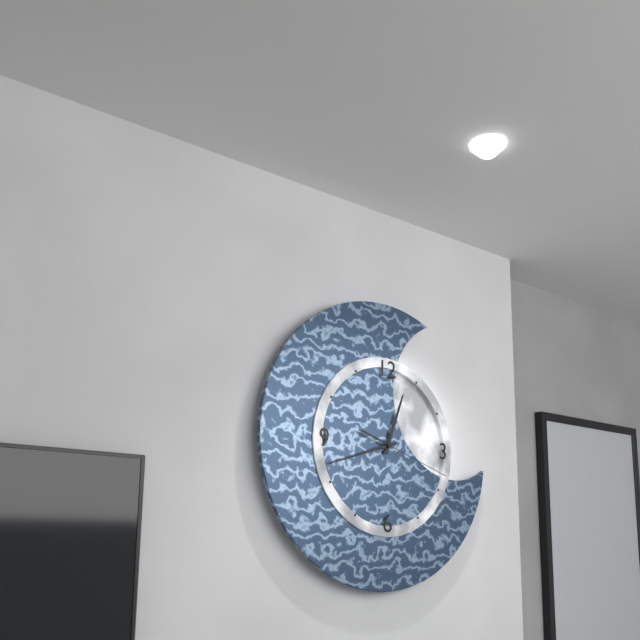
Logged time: 12 h 42 min 18 s
